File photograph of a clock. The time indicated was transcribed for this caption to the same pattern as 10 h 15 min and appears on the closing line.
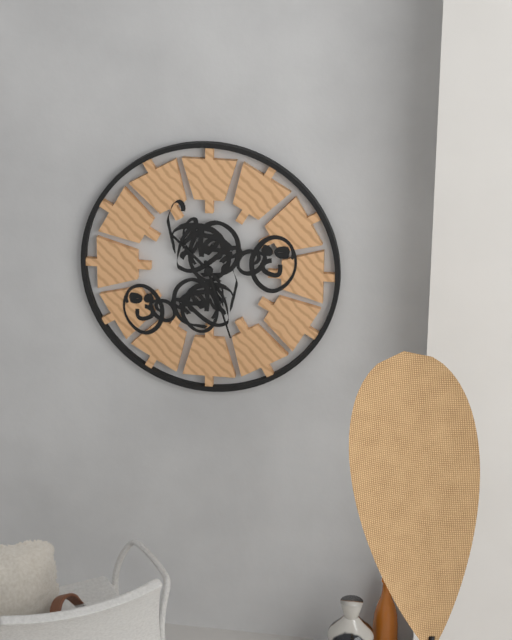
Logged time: 10 h 27 min
